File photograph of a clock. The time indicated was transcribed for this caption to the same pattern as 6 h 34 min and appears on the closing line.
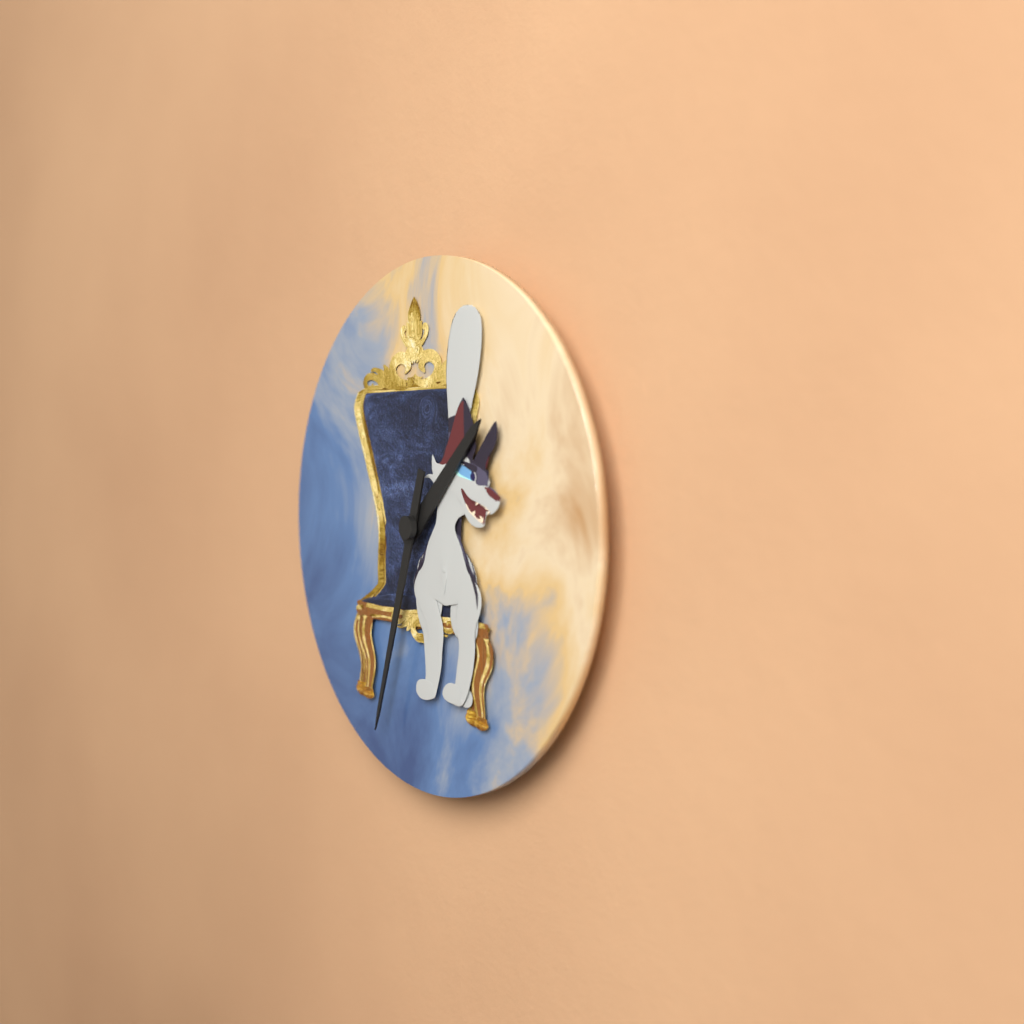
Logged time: 1 h 33 min
